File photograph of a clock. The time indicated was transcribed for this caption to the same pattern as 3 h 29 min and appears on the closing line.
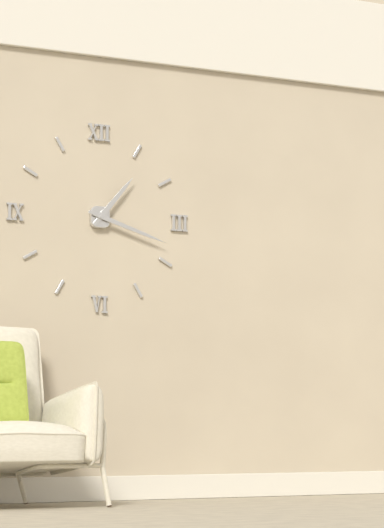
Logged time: 1 h 18 min
